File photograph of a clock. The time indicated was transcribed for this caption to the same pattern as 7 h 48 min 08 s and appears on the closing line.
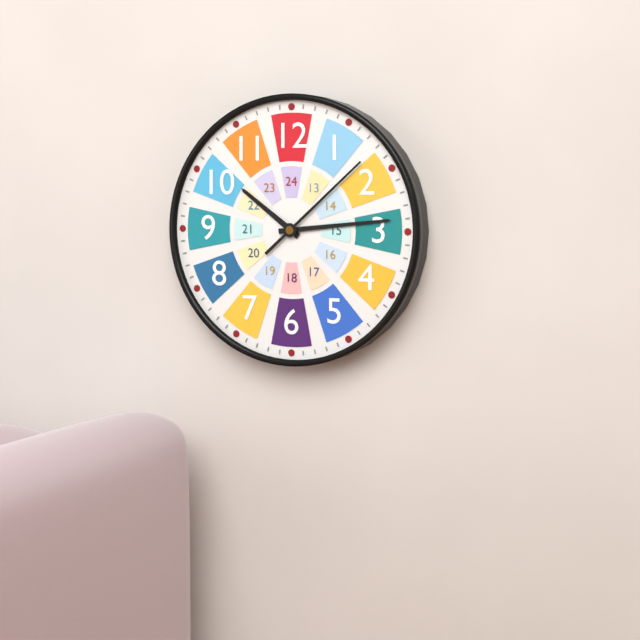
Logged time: 10 h 14 min 08 s
